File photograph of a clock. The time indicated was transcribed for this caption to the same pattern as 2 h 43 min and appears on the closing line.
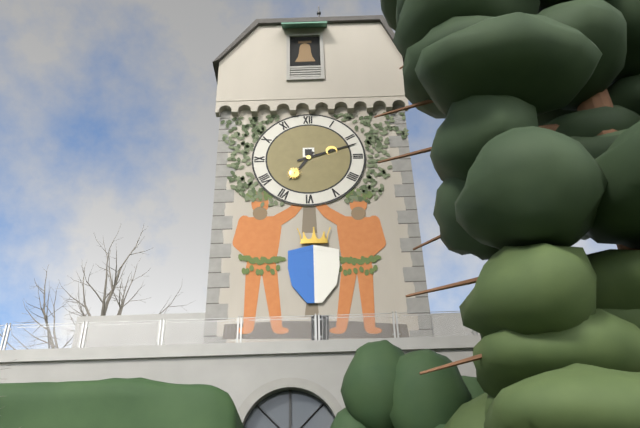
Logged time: 7 h 12 min
